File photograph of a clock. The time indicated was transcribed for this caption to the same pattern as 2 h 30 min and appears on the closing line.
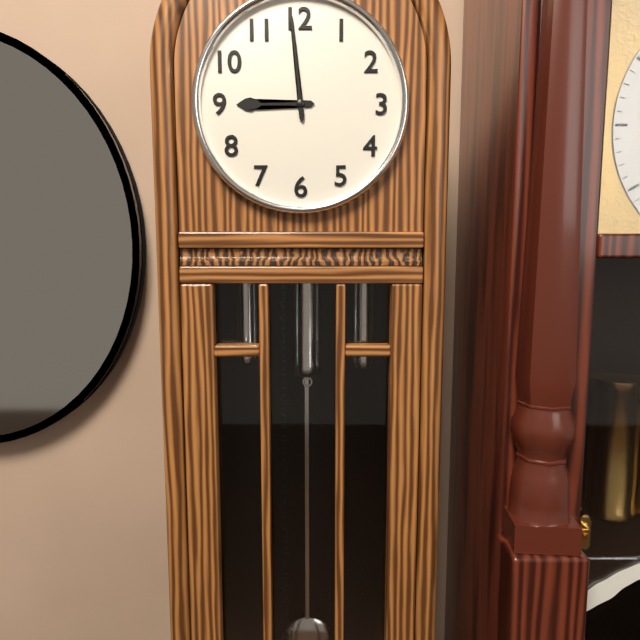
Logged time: 8 h 59 min
